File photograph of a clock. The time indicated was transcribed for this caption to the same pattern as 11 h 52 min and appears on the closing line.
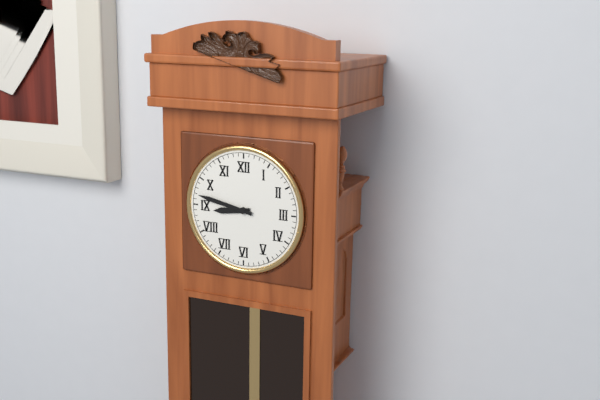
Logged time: 8 h 47 min
